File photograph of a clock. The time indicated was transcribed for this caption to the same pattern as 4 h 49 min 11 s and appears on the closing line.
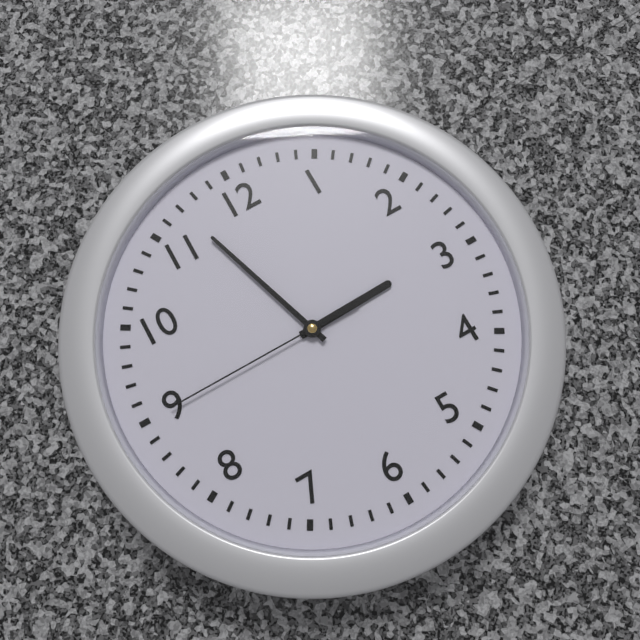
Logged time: 2 h 57 min 45 s
